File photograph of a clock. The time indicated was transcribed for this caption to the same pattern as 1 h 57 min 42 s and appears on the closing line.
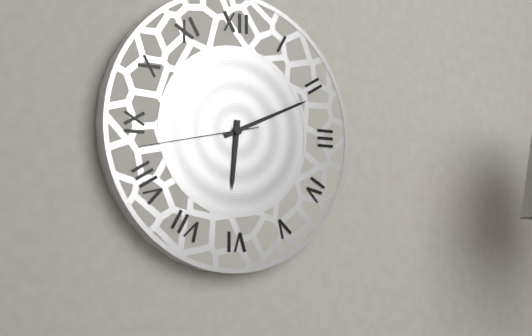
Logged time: 6 h 11 min 43 s
